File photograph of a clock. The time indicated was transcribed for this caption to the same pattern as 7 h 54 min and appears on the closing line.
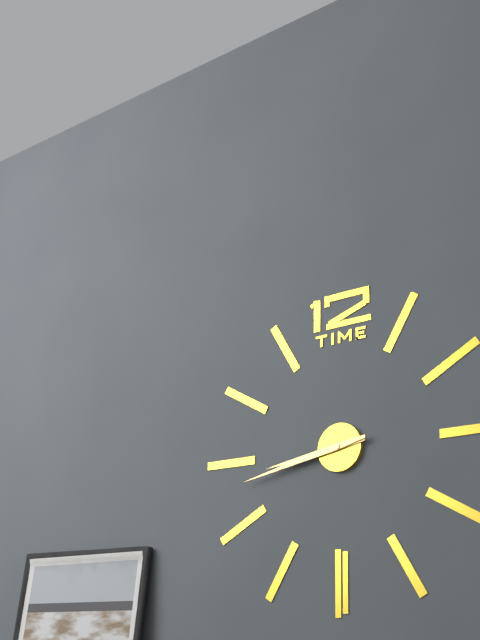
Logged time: 8 h 43 min
